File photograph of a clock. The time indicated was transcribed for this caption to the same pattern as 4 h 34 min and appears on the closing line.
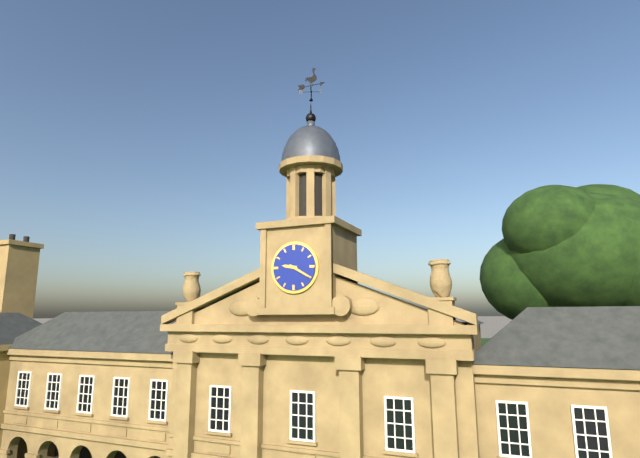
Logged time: 9 h 20 min
